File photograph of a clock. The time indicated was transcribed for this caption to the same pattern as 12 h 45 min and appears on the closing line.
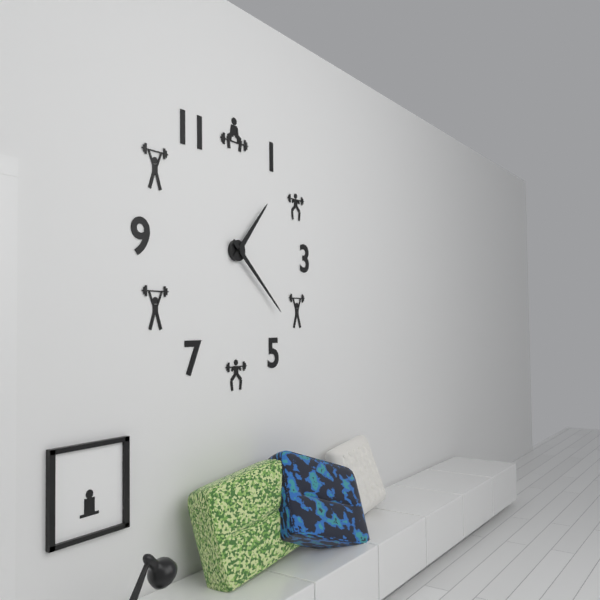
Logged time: 1 h 22 min
